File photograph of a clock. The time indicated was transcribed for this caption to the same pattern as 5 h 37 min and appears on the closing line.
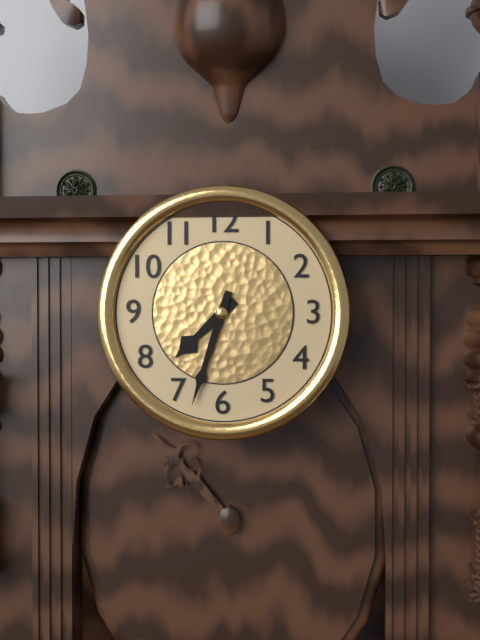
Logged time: 7 h 33 min
